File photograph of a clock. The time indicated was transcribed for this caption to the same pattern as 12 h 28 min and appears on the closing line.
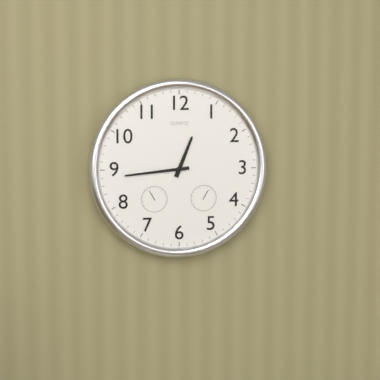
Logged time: 12 h 44 min
